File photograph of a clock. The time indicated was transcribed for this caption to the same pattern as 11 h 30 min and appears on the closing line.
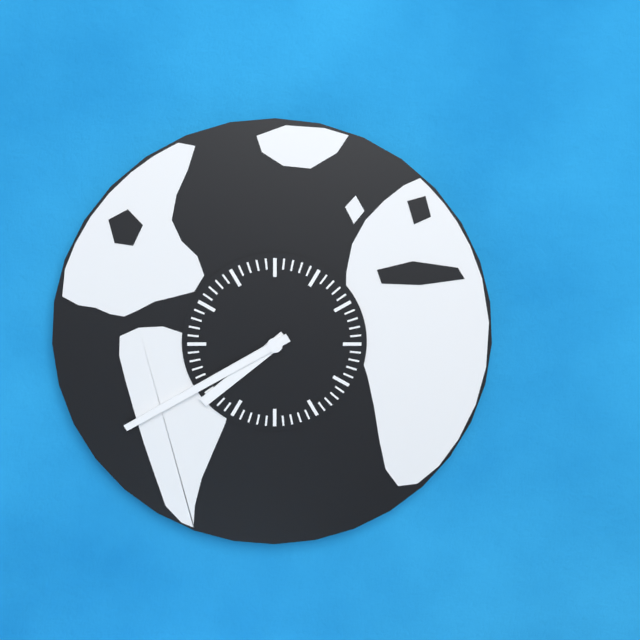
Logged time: 7 h 40 min
